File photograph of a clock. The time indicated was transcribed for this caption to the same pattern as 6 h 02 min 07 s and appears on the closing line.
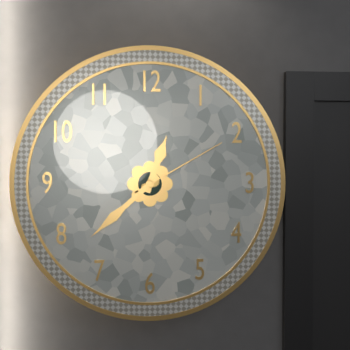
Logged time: 12 h 38 min 10 s
